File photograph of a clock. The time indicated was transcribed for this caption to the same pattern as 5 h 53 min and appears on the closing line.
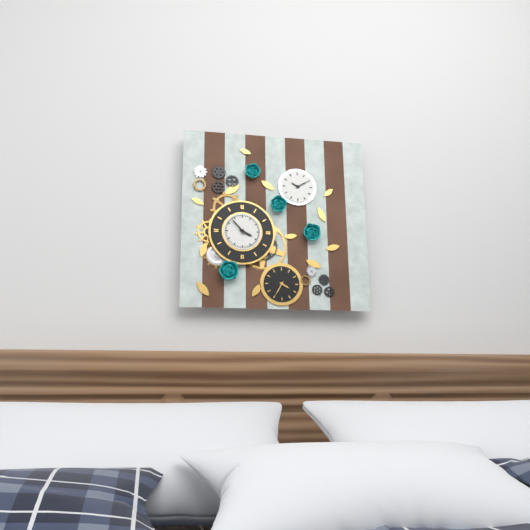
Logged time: 3 h 53 min
